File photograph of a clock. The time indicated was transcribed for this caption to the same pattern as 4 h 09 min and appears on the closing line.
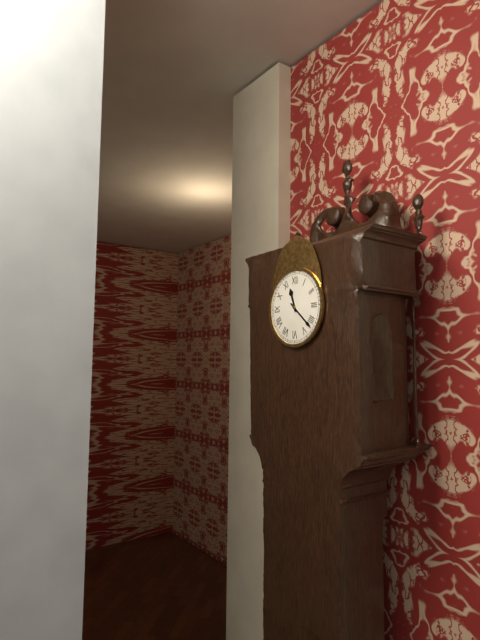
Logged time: 11 h 22 min
